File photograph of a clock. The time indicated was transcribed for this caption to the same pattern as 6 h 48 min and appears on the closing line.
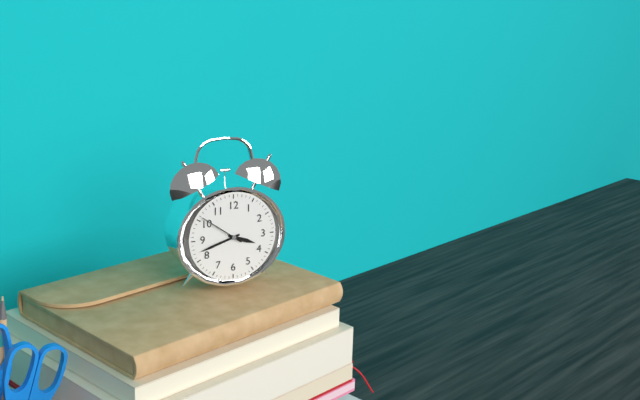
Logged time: 3 h 42 min
